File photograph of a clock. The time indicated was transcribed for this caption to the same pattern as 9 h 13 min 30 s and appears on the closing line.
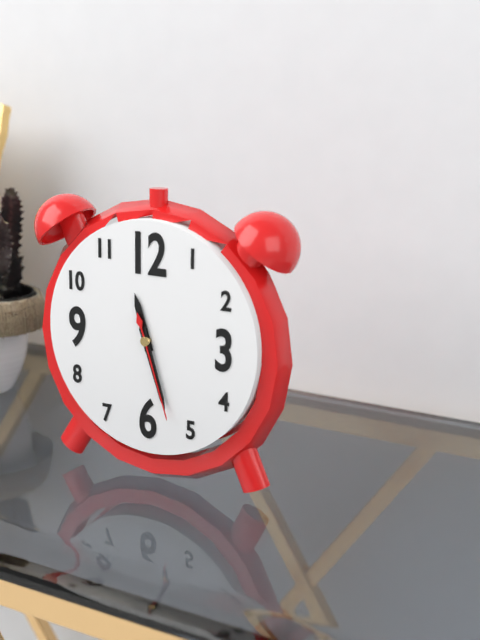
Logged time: 11 h 27 min 27 s
